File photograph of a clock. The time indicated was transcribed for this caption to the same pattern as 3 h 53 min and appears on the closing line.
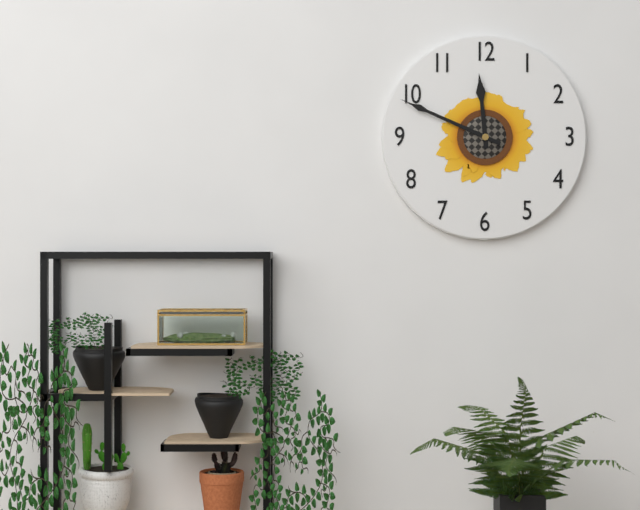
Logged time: 11 h 49 min
